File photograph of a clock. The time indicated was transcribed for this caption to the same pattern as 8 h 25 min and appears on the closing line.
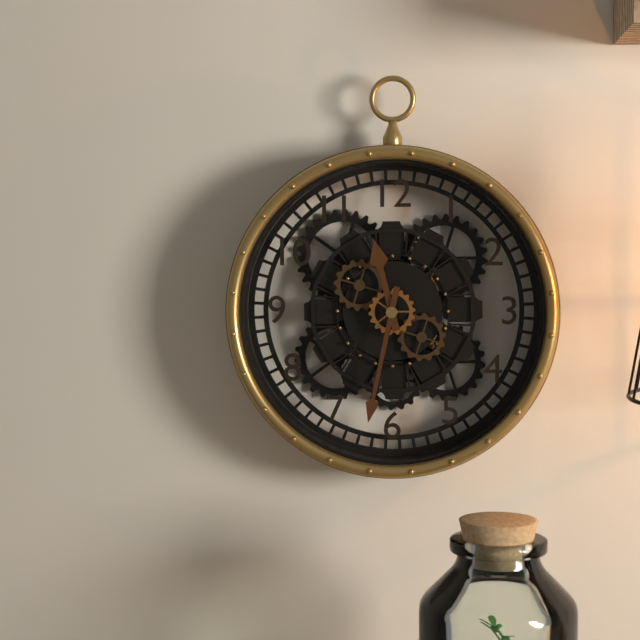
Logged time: 11 h 32 min
